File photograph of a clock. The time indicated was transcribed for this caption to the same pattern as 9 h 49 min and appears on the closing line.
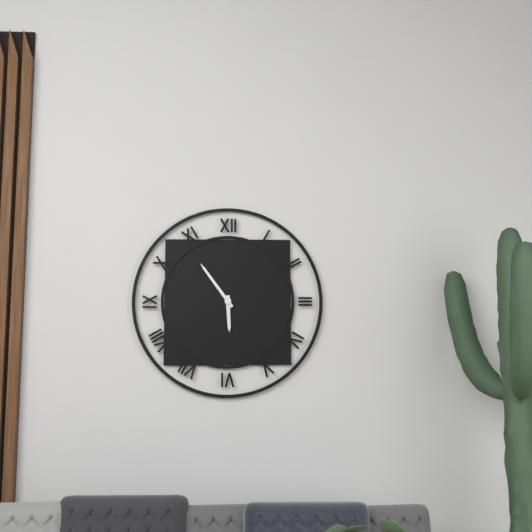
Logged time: 5 h 54 min
